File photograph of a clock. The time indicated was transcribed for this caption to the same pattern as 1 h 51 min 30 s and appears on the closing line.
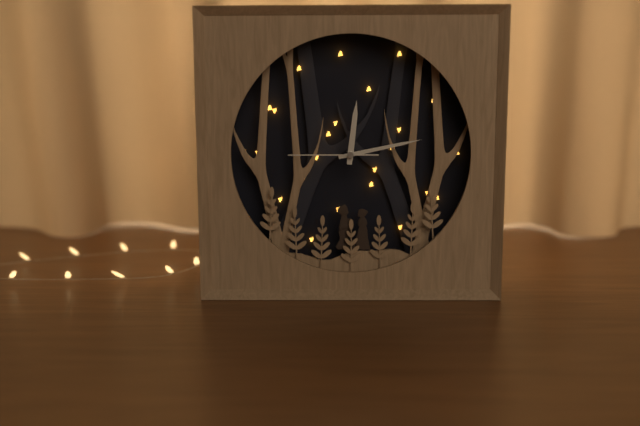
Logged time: 12 h 13 min 45 s
